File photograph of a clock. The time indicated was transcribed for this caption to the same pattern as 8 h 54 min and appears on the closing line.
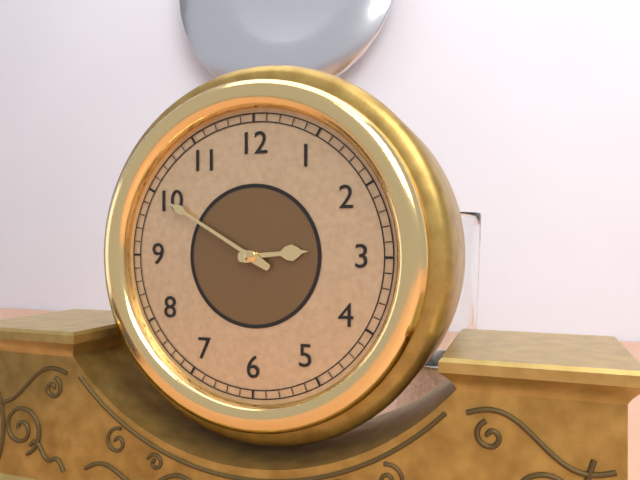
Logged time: 2 h 50 min
